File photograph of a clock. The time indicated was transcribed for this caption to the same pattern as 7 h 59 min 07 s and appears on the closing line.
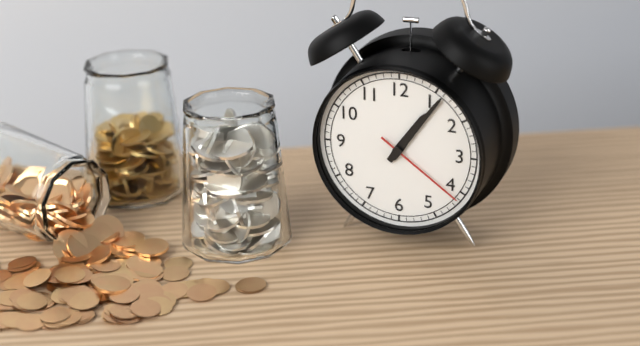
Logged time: 1 h 06 min 21 s
